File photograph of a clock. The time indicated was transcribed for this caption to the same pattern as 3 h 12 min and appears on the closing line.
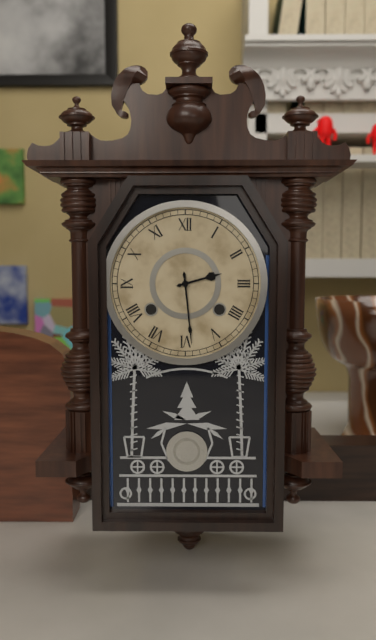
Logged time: 2 h 29 min
